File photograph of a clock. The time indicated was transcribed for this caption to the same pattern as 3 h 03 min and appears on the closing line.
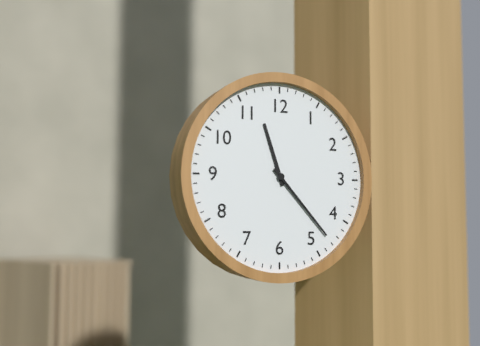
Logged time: 11 h 23 min
